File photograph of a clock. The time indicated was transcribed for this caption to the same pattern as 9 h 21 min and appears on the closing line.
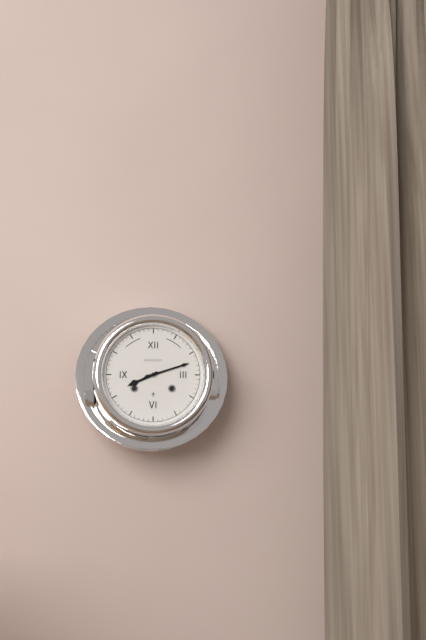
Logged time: 8 h 12 min
